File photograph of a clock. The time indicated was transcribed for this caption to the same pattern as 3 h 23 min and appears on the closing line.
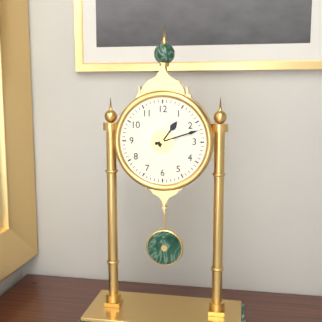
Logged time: 1 h 12 min
